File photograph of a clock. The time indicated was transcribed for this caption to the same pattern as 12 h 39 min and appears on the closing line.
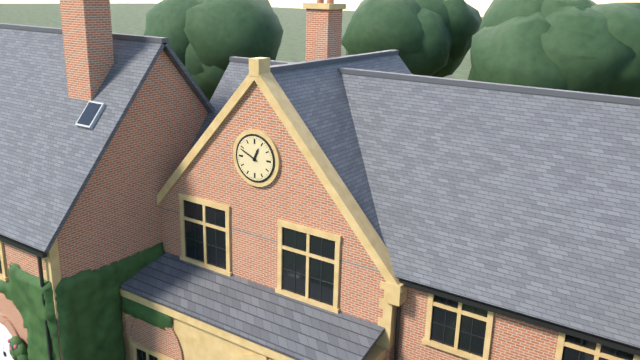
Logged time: 12 h 49 min
